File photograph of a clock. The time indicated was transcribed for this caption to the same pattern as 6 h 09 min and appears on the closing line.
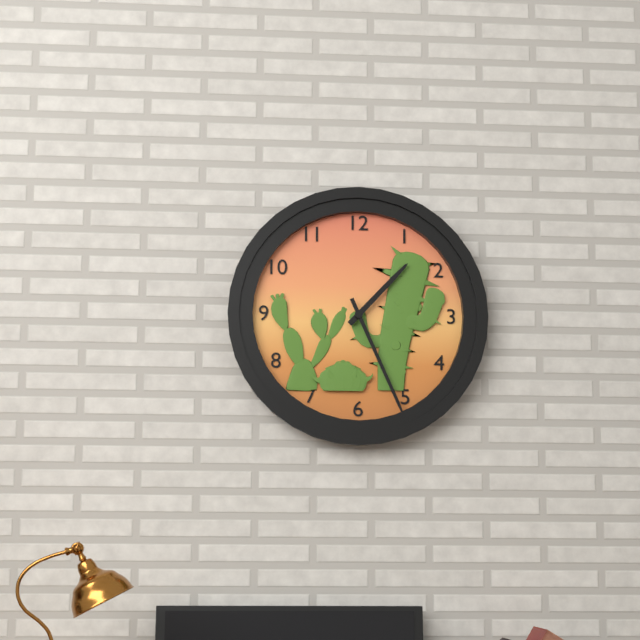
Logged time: 1 h 26 min
